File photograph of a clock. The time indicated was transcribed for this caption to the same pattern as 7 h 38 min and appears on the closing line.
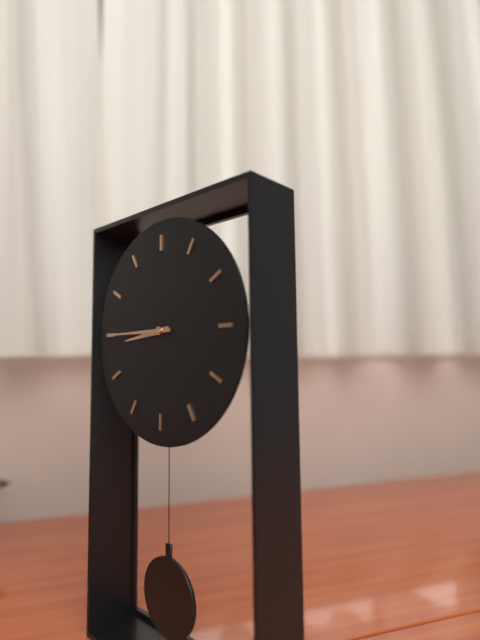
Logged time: 8 h 45 min
